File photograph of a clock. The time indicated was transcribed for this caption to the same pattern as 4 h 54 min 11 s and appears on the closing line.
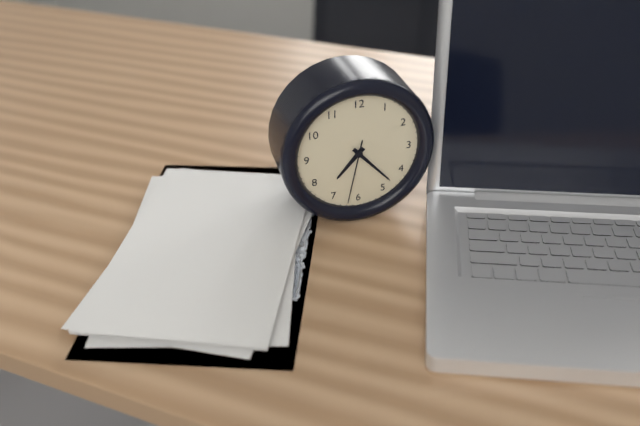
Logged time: 7 h 23 min 32 s
